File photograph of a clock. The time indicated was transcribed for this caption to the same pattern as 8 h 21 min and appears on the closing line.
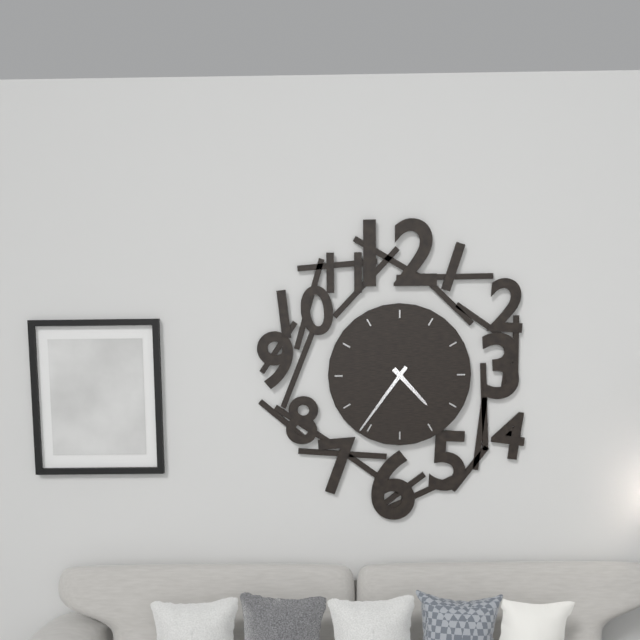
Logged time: 4 h 36 min
